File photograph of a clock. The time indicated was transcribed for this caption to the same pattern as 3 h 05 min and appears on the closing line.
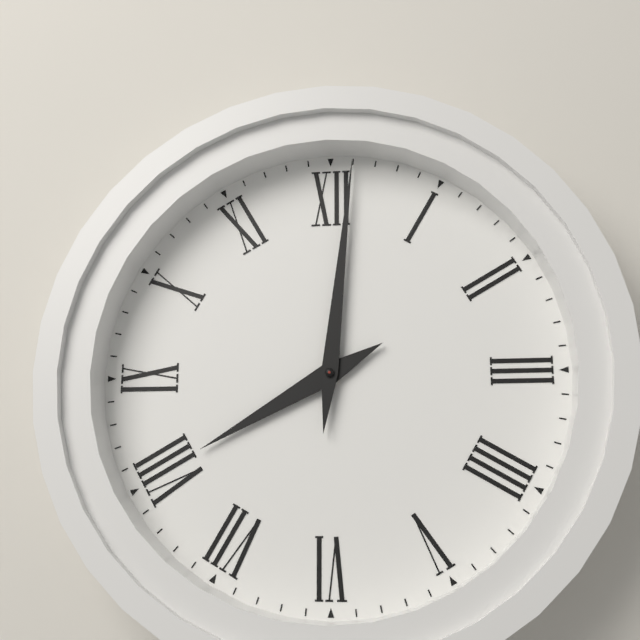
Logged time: 8 h 01 min
